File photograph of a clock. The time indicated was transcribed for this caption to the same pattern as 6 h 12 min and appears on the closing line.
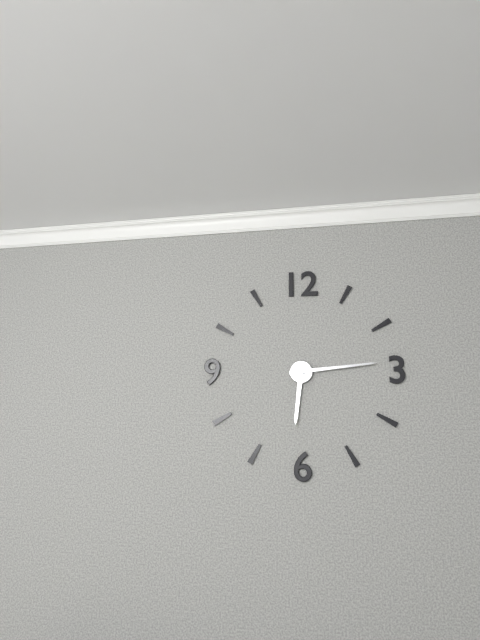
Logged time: 6 h 14 min
